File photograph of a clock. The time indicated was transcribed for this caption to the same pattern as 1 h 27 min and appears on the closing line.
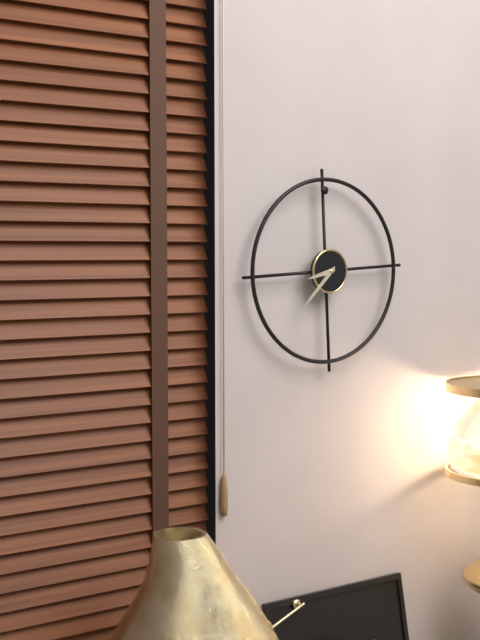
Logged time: 8 h 38 min
